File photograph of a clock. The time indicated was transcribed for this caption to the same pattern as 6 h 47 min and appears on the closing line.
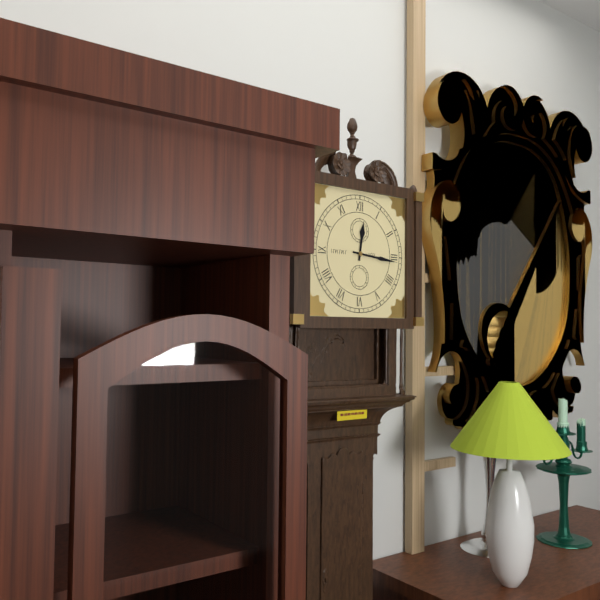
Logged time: 12 h 16 min
